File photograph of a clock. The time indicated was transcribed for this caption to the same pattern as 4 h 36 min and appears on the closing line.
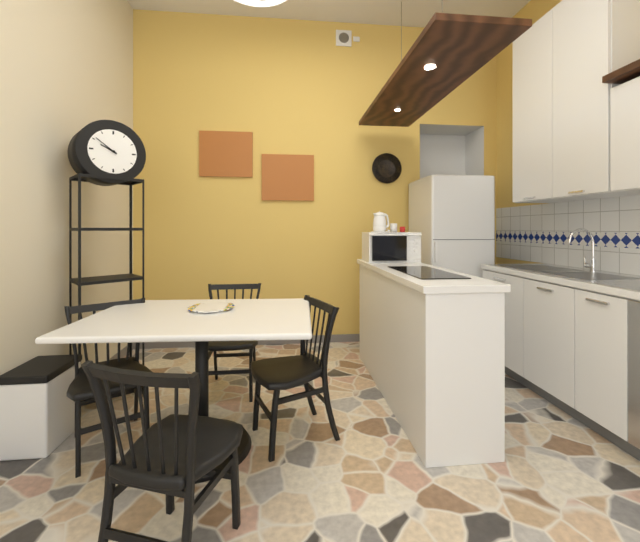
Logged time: 9 h 51 min
